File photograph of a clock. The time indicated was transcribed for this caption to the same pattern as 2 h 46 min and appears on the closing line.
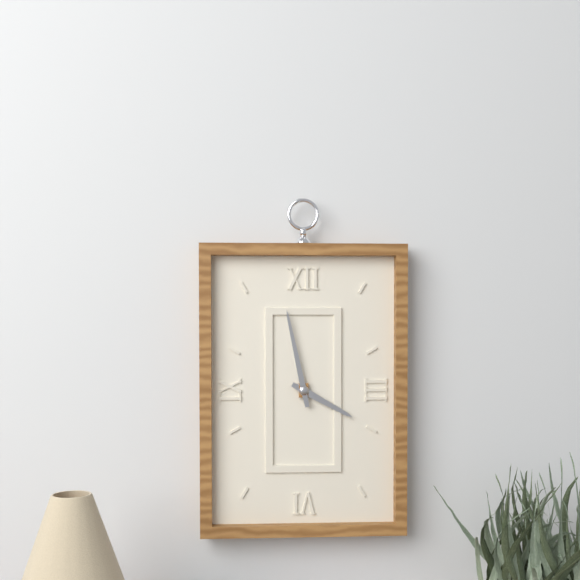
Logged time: 3 h 58 min
